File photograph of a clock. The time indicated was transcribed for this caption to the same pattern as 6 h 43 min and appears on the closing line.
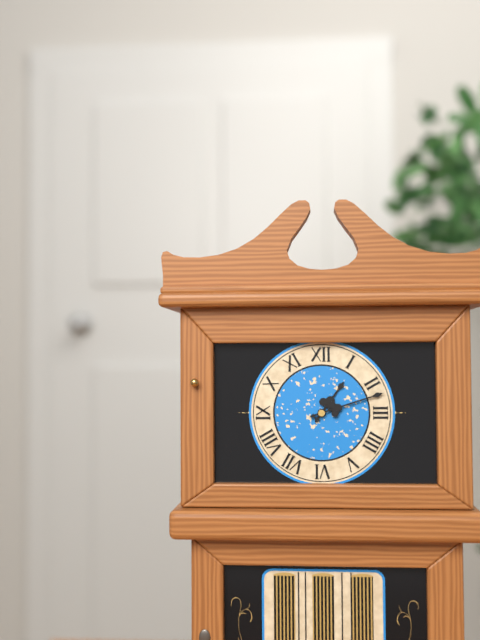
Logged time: 1 h 12 min
